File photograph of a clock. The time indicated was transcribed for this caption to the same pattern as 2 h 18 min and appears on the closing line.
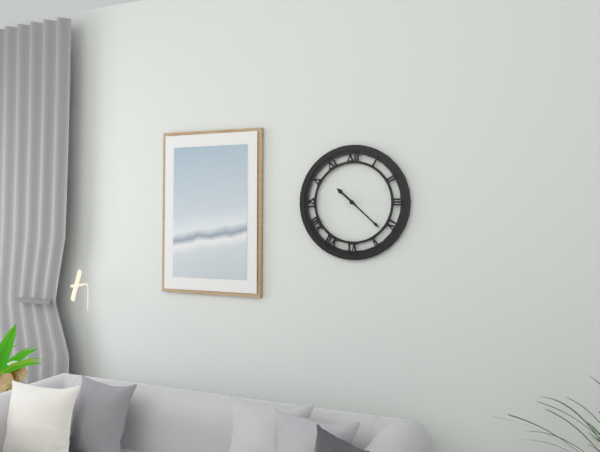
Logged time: 10 h 22 min
